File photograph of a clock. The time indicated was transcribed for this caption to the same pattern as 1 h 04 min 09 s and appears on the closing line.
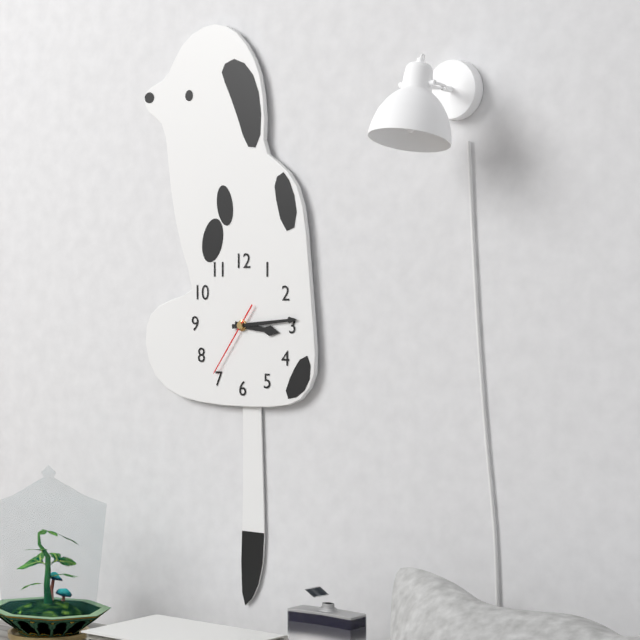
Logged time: 3 h 14 min 36 s
